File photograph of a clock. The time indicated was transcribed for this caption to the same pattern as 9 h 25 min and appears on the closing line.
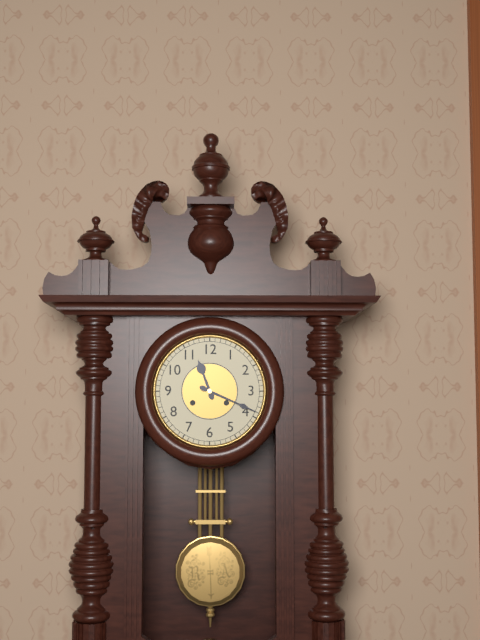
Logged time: 11 h 19 min
